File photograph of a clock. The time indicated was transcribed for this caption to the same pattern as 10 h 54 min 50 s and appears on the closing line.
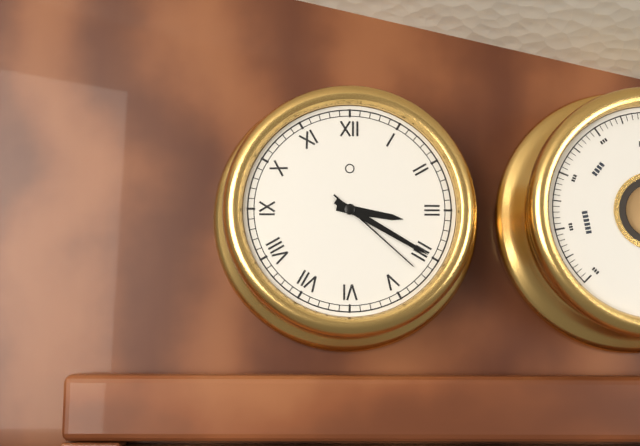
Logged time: 3 h 20 min 22 s
